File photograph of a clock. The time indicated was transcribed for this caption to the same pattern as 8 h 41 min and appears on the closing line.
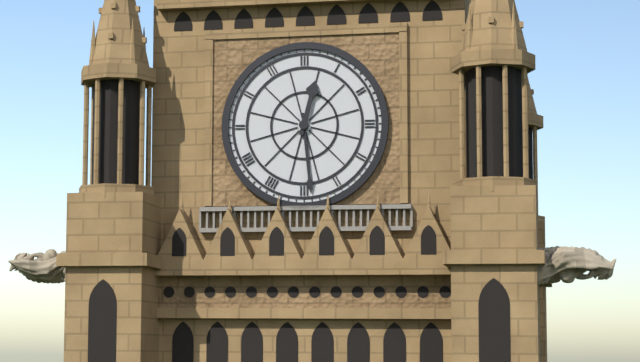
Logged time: 12 h 29 min
